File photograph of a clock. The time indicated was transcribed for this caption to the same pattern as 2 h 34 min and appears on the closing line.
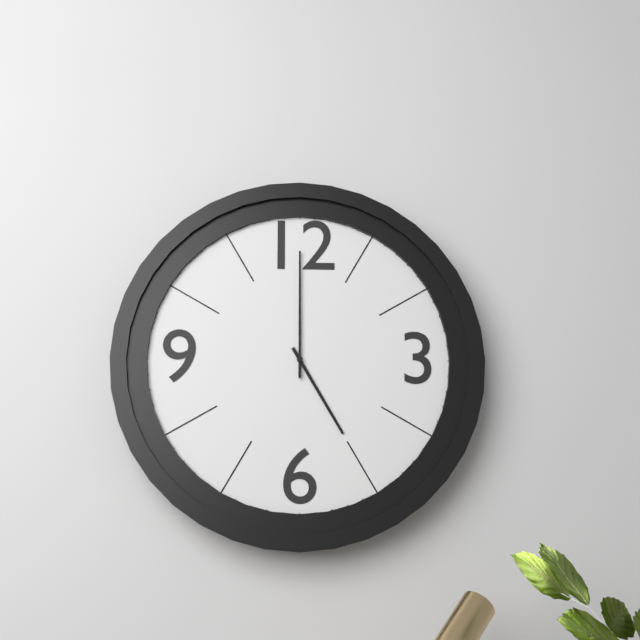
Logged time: 5 h 00 min
